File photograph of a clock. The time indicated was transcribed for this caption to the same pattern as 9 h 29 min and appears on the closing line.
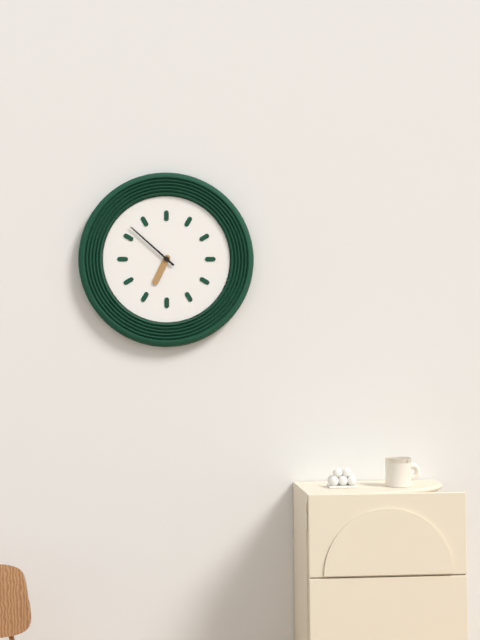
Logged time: 6 h 52 min
